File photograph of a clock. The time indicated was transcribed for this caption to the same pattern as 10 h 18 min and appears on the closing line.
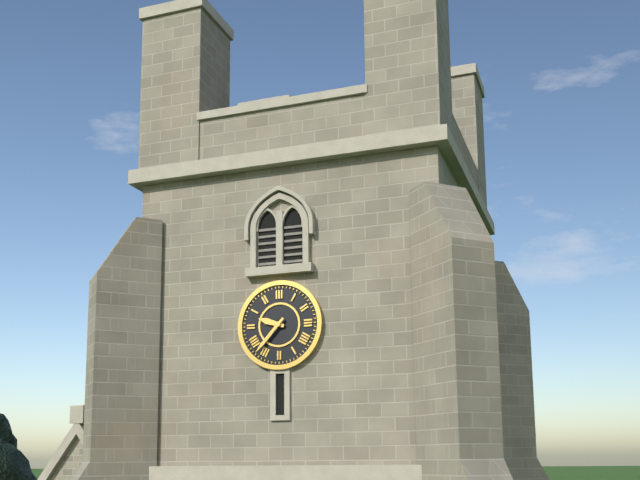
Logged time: 9 h 37 min
